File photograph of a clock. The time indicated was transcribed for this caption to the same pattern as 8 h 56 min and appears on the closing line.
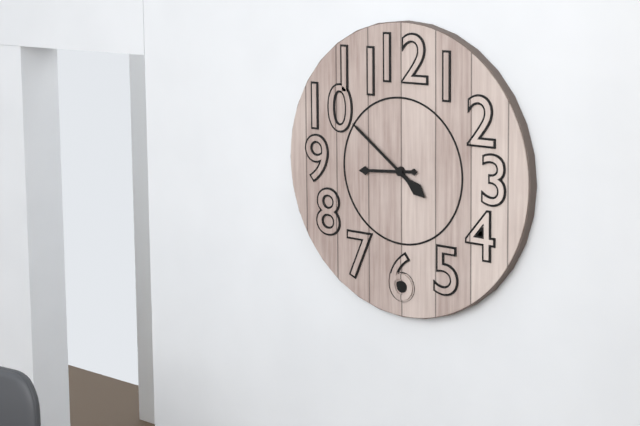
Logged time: 8 h 51 min
